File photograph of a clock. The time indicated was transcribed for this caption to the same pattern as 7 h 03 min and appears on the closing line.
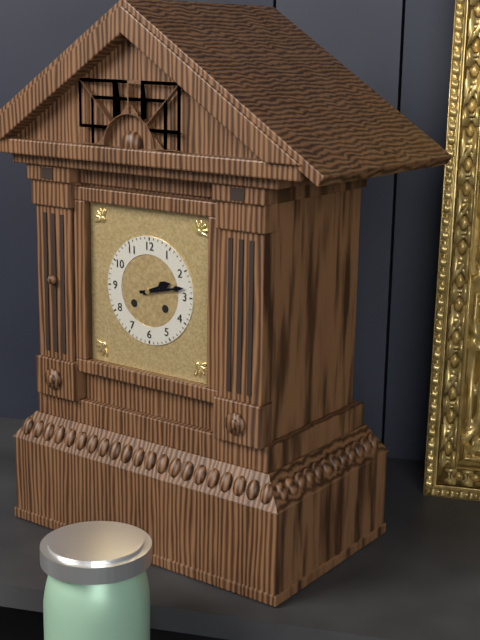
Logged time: 2 h 13 min
